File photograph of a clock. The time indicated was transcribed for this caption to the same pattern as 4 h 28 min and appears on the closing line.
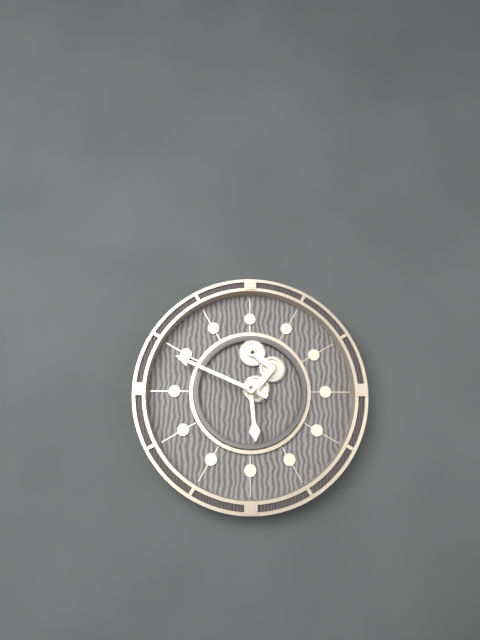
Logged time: 5 h 49 min
